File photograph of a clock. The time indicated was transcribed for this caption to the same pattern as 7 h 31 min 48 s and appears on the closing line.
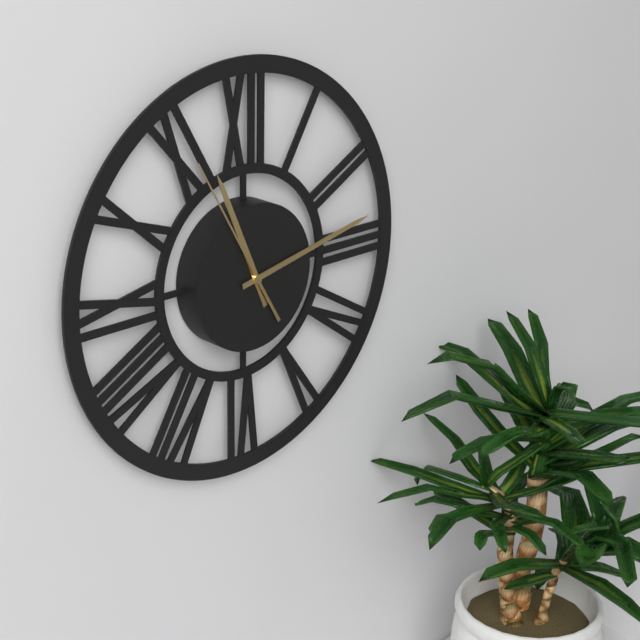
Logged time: 11 h 13 min 55 s
